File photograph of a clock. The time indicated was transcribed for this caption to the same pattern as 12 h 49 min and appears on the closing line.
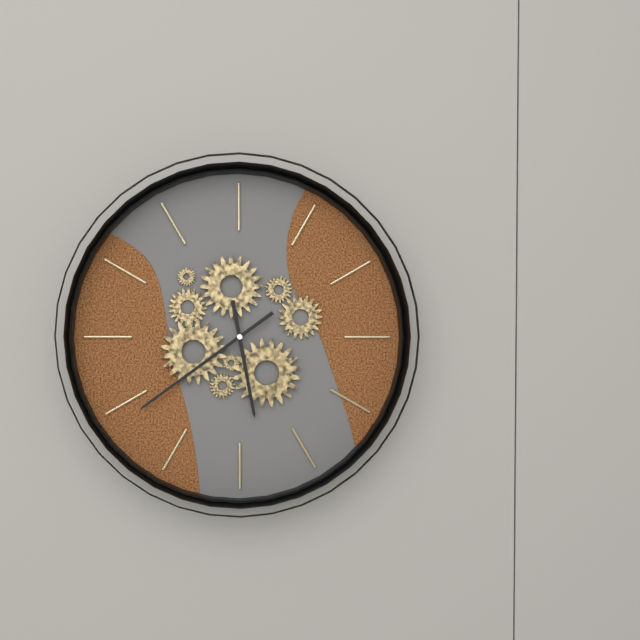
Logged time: 5 h 39 min
